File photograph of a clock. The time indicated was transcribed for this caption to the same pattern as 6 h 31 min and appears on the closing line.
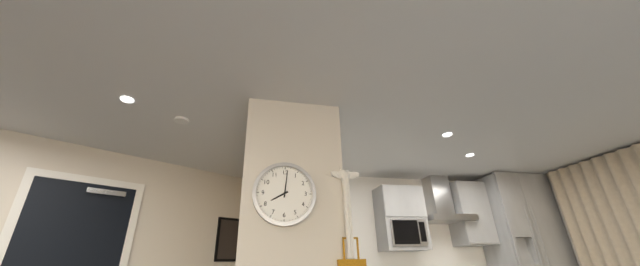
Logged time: 8 h 01 min
